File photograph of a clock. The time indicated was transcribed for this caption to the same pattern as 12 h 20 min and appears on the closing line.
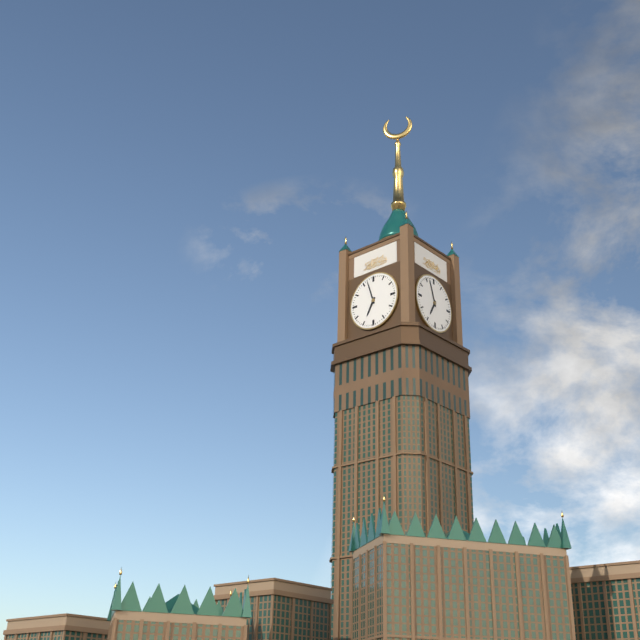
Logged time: 6 h 57 min
